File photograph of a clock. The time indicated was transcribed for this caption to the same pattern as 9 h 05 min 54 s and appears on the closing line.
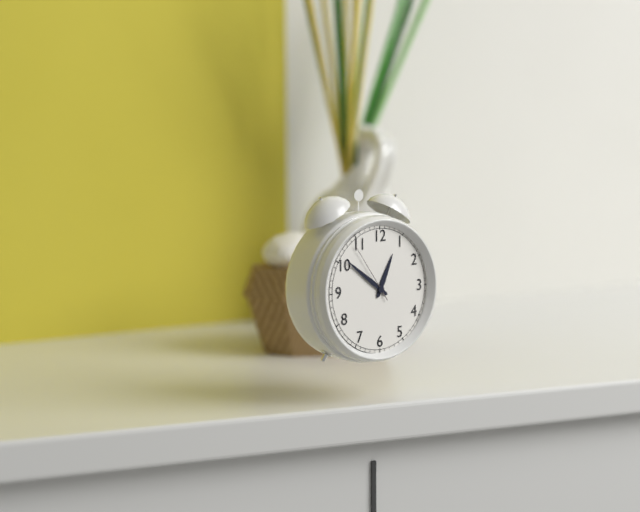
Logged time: 12 h 51 min 54 s
